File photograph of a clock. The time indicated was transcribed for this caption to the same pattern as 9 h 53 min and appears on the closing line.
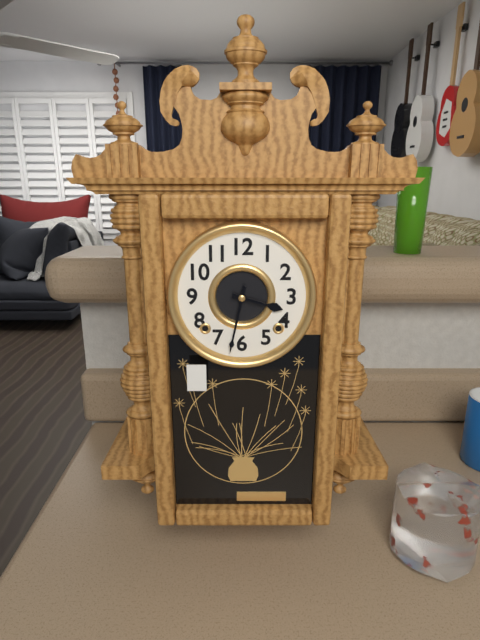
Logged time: 3 h 32 min
